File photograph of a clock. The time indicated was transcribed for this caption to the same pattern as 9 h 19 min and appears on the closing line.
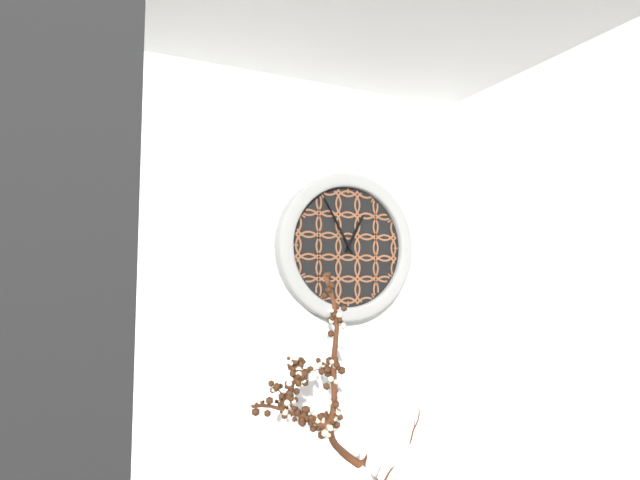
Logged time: 12 h 55 min
